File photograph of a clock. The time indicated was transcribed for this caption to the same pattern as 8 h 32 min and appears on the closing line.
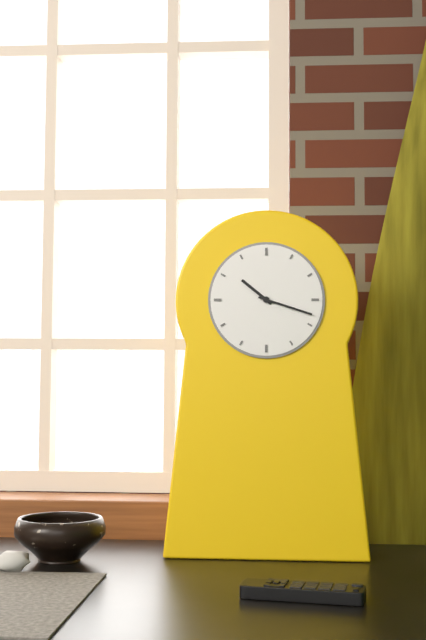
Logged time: 10 h 18 min
